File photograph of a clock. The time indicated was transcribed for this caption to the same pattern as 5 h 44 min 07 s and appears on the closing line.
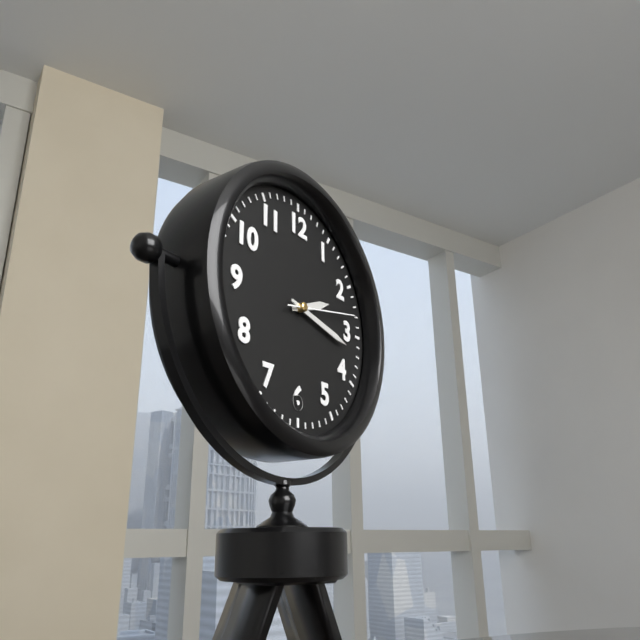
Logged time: 2 h 17 min 13 s
